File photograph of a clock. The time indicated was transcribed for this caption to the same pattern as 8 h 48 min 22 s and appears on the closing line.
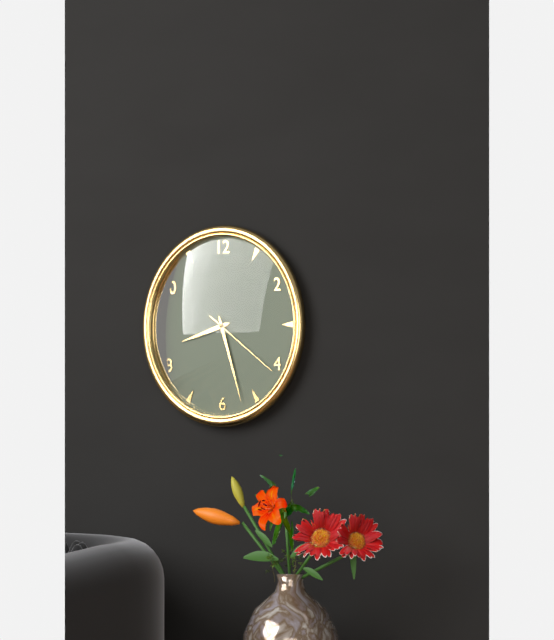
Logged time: 8 h 27 min 21 s
